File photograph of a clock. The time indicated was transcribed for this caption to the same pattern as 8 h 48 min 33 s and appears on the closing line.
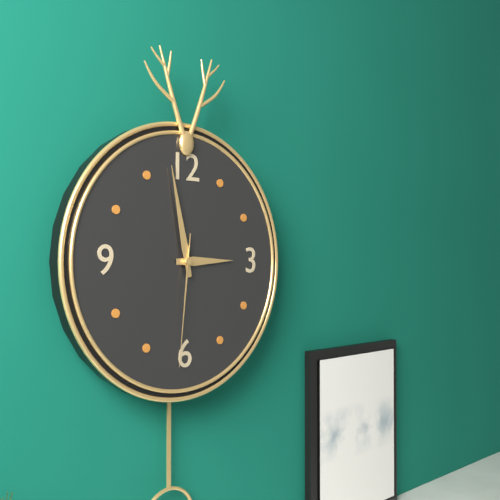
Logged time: 2 h 58 min 31 s
